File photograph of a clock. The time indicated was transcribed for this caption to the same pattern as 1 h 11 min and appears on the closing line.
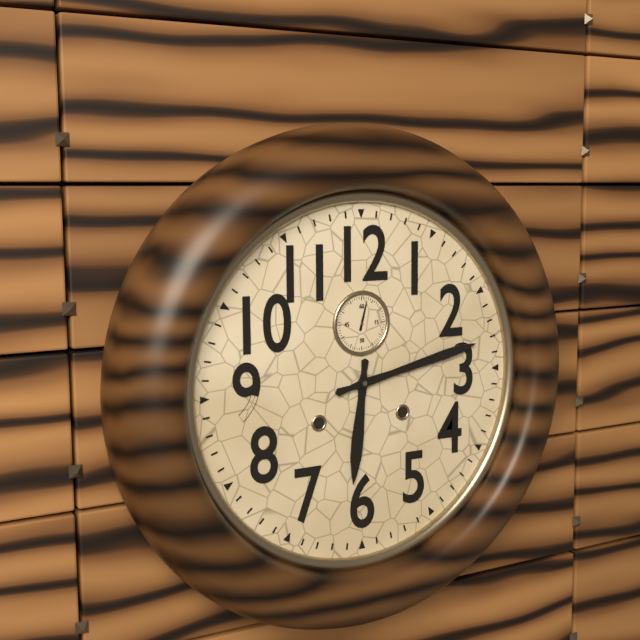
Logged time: 6 h 13 min
